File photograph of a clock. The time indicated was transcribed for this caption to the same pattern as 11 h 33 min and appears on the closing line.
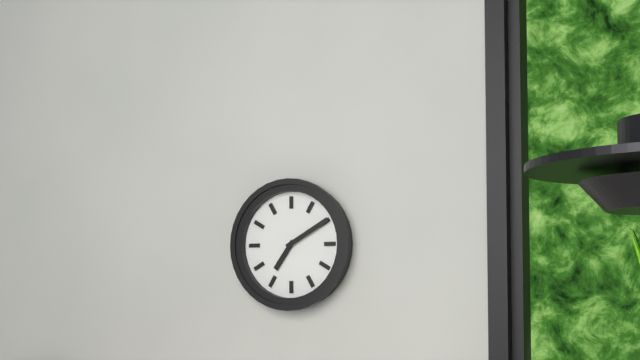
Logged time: 7 h 10 min
